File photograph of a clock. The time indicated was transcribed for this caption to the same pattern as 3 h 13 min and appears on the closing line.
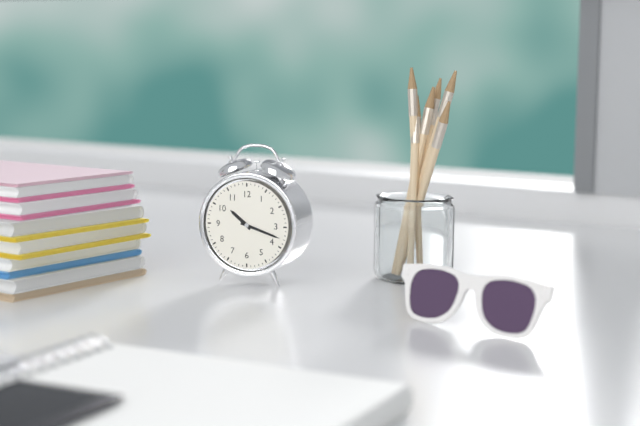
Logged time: 10 h 18 min
